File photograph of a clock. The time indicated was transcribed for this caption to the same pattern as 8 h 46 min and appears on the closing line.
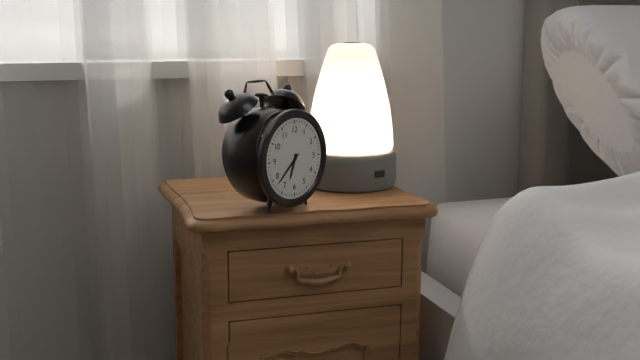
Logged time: 6 h 38 min
